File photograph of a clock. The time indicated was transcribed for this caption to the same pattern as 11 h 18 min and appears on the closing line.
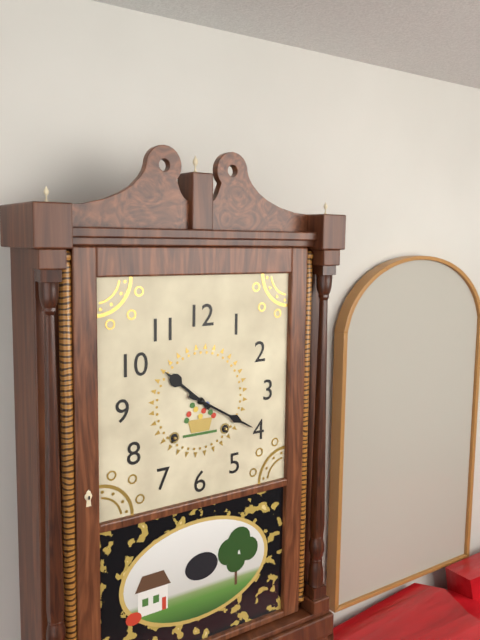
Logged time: 10 h 20 min
